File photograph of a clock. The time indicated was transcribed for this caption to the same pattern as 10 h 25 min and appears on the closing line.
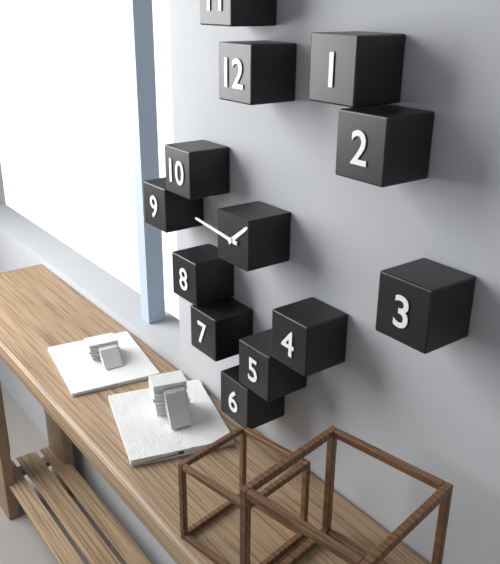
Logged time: 1 h 46 min
